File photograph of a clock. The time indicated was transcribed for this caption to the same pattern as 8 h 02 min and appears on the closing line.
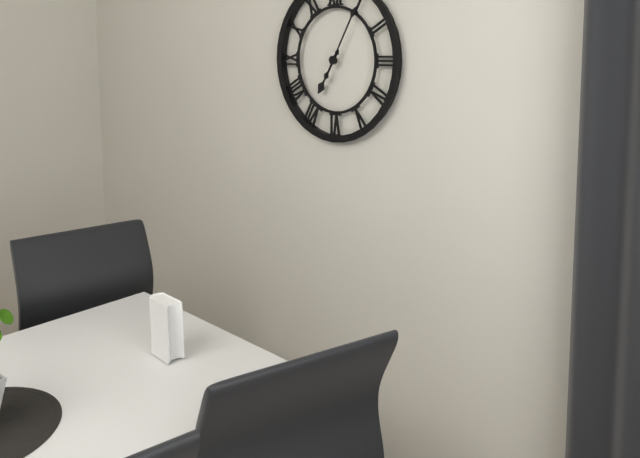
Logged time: 7 h 05 min
